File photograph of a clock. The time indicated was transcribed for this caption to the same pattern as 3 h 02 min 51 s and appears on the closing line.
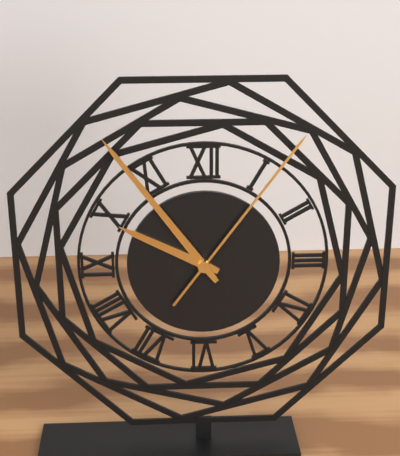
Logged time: 9 h 54 min 06 s
